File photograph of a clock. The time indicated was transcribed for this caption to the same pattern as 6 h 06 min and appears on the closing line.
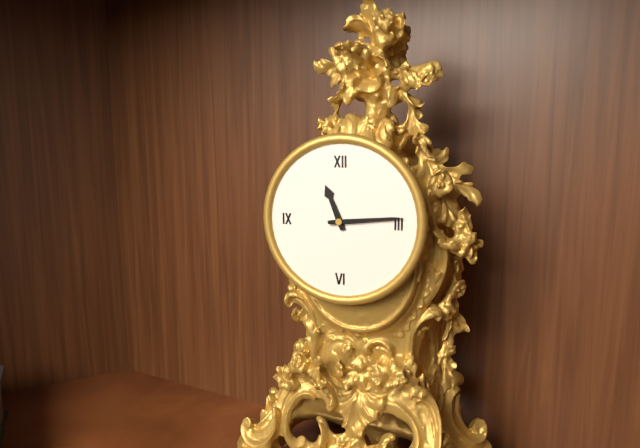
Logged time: 11 h 14 min
